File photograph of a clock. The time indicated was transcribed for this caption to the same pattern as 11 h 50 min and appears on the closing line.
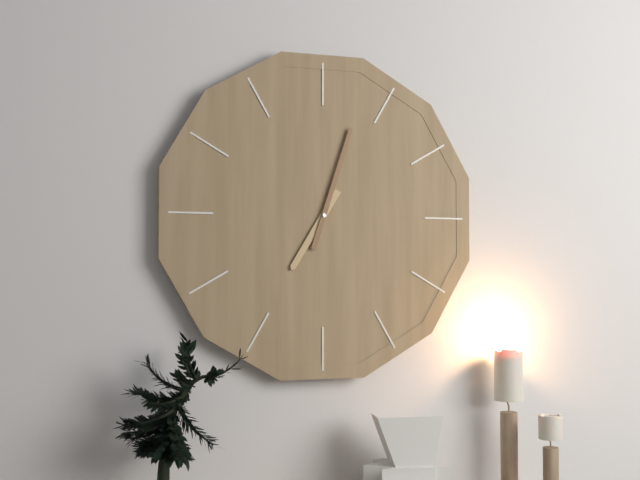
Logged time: 7 h 03 min
